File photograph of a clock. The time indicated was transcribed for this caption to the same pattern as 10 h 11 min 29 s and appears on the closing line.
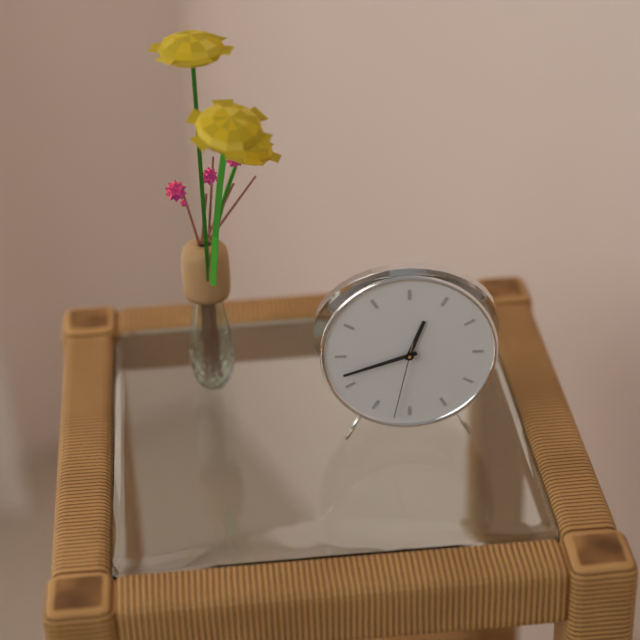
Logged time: 12 h 42 min 32 s
